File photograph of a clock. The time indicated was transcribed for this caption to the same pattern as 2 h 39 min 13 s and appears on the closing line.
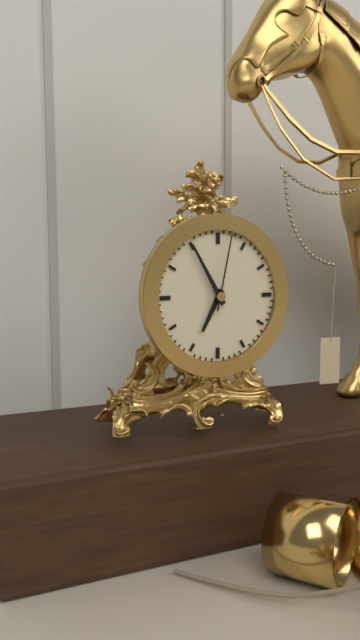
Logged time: 6 h 55 min 02 s
